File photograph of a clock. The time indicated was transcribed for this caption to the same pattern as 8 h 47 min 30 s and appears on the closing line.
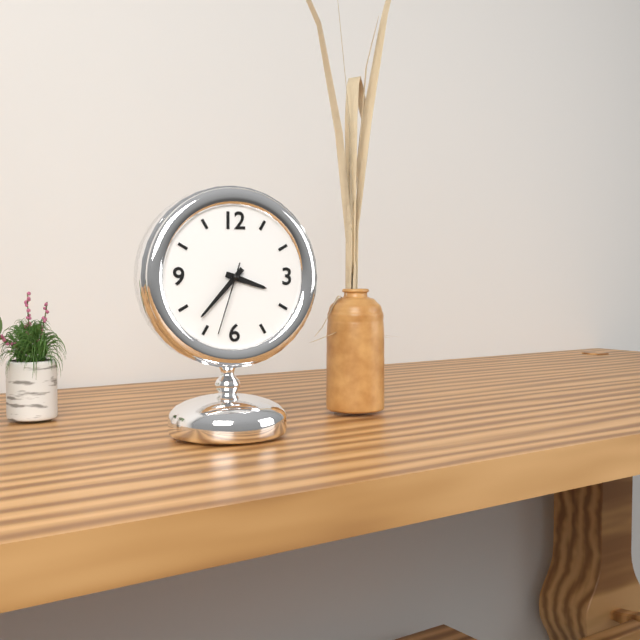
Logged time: 3 h 37 min 33 s
